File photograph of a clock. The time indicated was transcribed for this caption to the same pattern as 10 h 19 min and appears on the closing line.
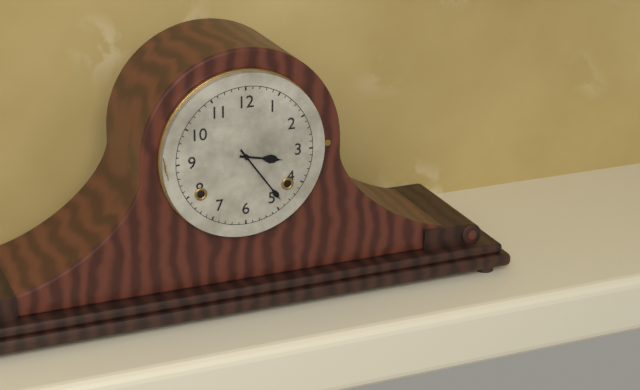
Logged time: 3 h 24 min
